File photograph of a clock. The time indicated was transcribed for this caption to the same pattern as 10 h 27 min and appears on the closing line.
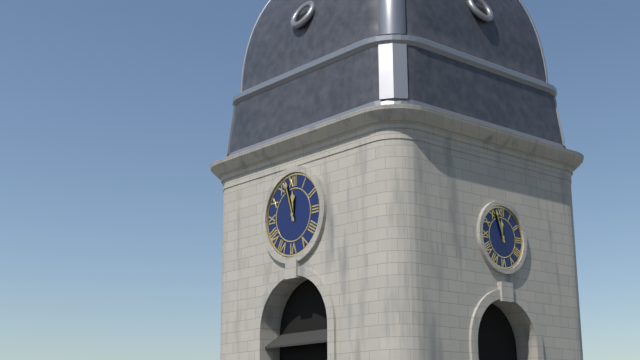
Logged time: 11 h 57 min
